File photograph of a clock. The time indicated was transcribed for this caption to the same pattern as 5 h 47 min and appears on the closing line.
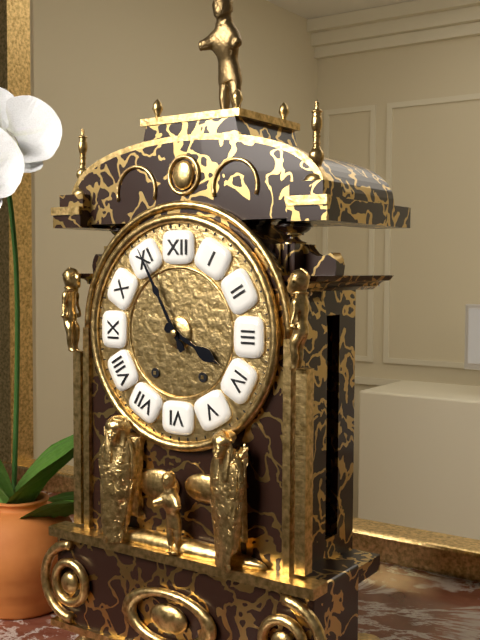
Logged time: 3 h 55 min
